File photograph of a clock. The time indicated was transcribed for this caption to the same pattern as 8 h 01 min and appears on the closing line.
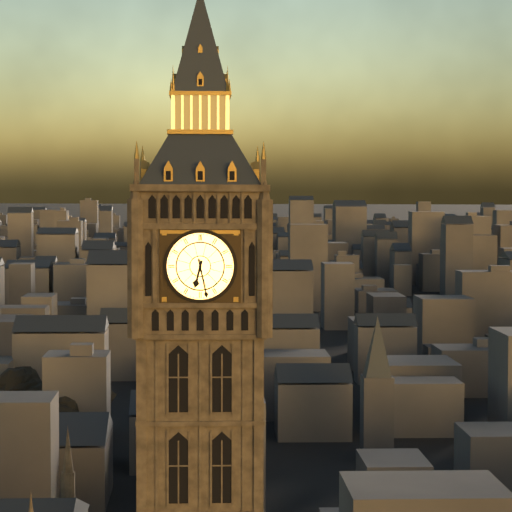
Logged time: 6 h 28 min
